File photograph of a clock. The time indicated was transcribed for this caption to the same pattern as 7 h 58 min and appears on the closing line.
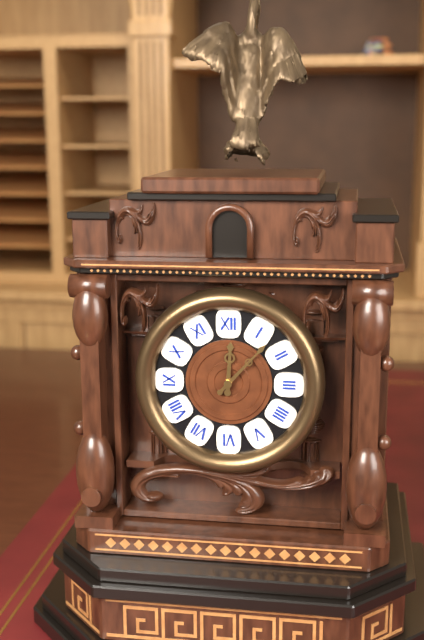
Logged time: 12 h 07 min
